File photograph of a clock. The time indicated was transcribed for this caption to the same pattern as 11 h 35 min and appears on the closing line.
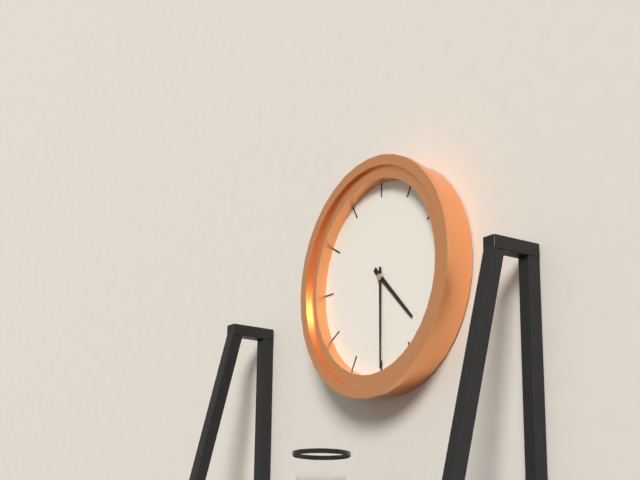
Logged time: 4 h 30 min
